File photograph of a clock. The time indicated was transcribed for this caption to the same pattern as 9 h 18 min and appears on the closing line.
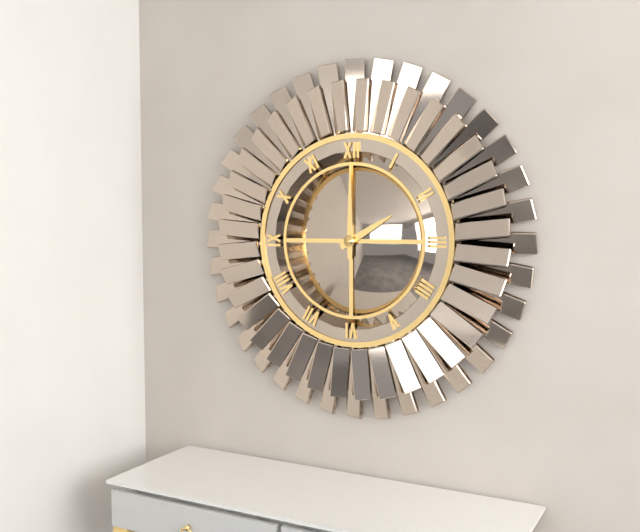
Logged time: 2 h 00 min
